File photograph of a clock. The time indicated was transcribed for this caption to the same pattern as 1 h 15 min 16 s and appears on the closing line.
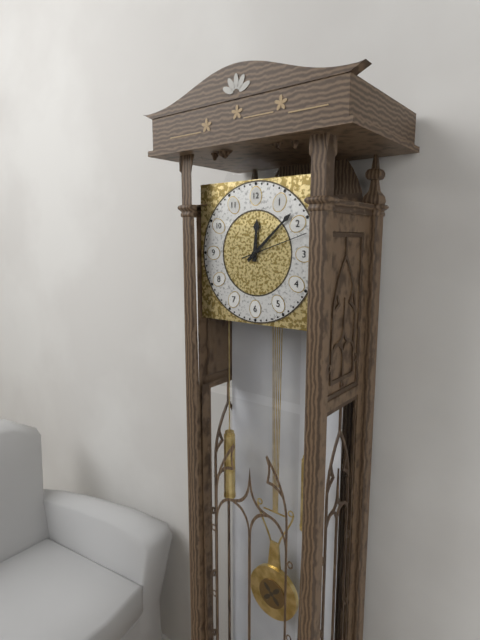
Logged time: 12 h 08 min 12 s
